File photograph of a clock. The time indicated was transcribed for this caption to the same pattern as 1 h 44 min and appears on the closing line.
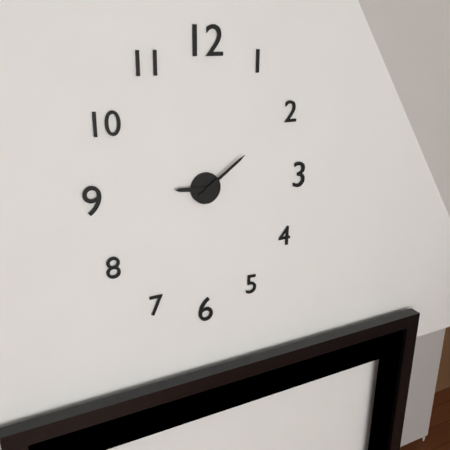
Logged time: 9 h 09 min
